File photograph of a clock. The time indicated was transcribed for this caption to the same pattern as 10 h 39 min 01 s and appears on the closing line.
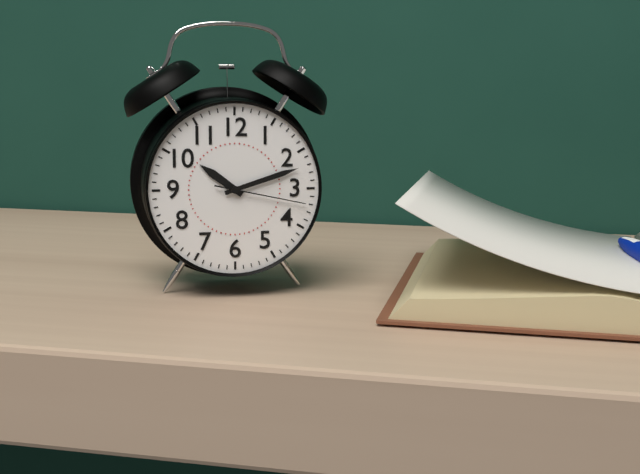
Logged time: 10 h 12 min 17 s
